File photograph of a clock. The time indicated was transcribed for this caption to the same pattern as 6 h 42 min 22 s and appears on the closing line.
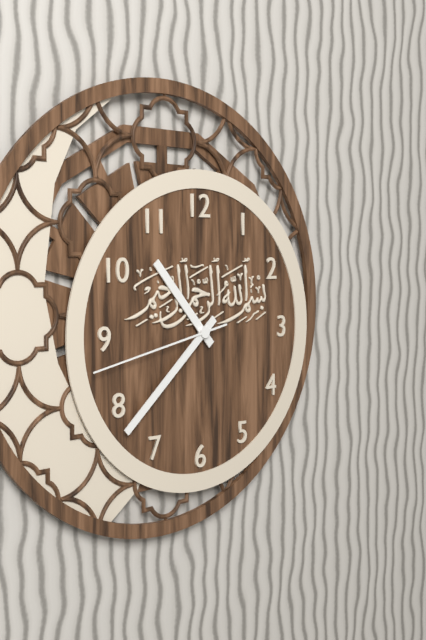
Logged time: 10 h 38 min 43 s
